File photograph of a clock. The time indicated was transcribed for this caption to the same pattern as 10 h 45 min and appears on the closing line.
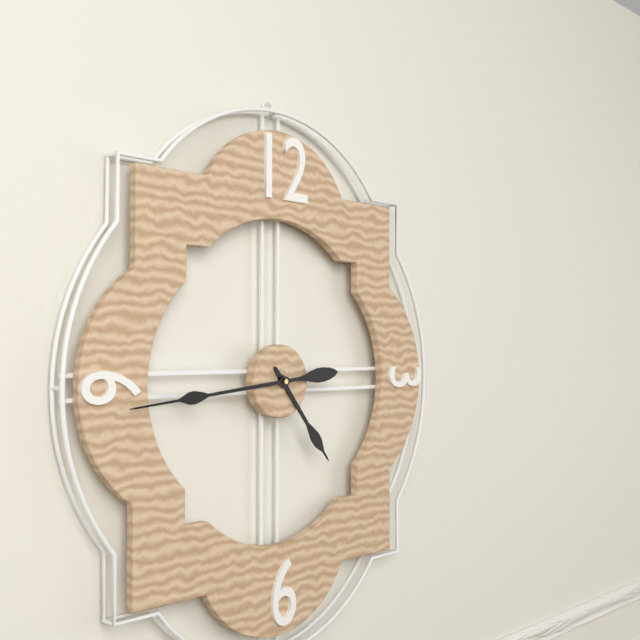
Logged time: 4 h 44 min
